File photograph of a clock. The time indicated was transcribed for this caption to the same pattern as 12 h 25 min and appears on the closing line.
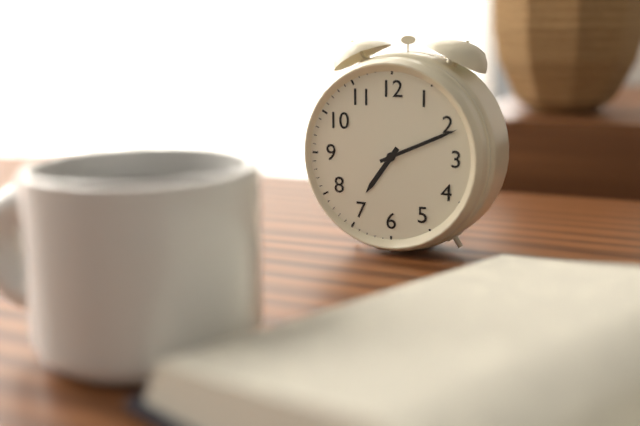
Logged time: 7 h 11 min
